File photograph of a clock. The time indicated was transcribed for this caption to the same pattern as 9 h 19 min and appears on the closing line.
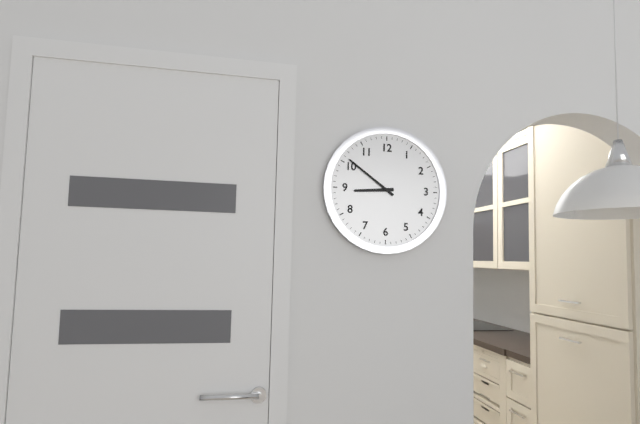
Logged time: 8 h 51 min
